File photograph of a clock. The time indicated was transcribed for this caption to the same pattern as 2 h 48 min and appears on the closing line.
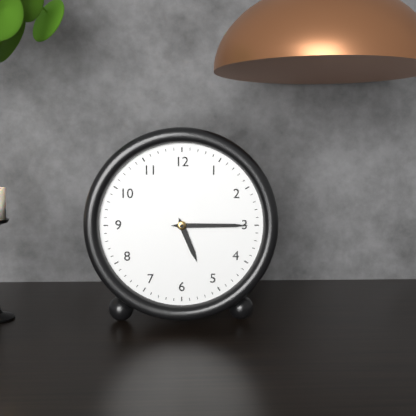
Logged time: 5 h 15 min
